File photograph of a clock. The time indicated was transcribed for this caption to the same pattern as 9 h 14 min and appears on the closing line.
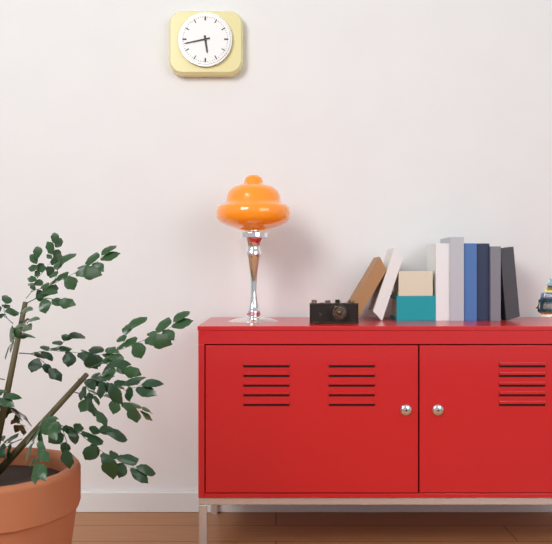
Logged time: 5 h 43 min
